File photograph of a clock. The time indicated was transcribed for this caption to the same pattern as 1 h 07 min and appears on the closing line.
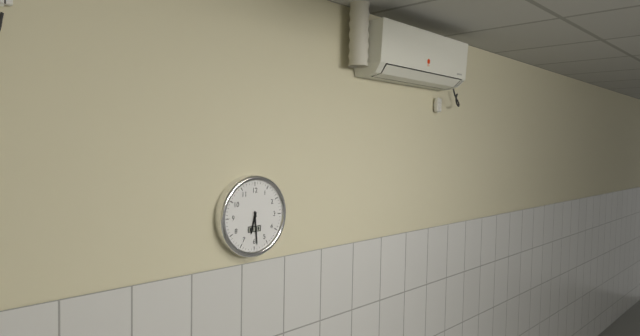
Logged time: 6 h 29 min
